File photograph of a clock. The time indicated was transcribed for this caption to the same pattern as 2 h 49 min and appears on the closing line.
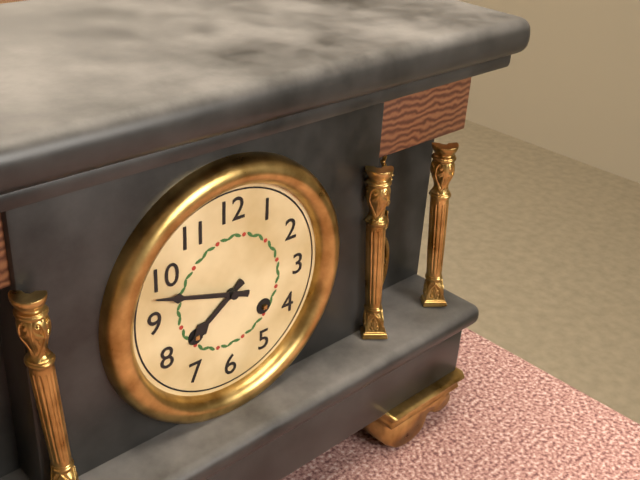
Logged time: 7 h 48 min
